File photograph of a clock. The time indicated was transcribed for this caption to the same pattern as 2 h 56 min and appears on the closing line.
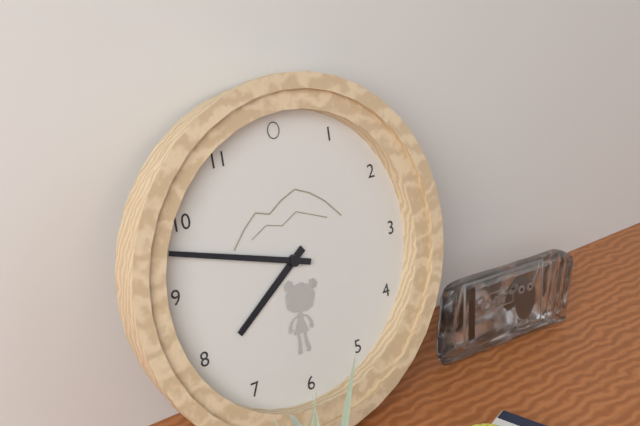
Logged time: 7 h 48 min
